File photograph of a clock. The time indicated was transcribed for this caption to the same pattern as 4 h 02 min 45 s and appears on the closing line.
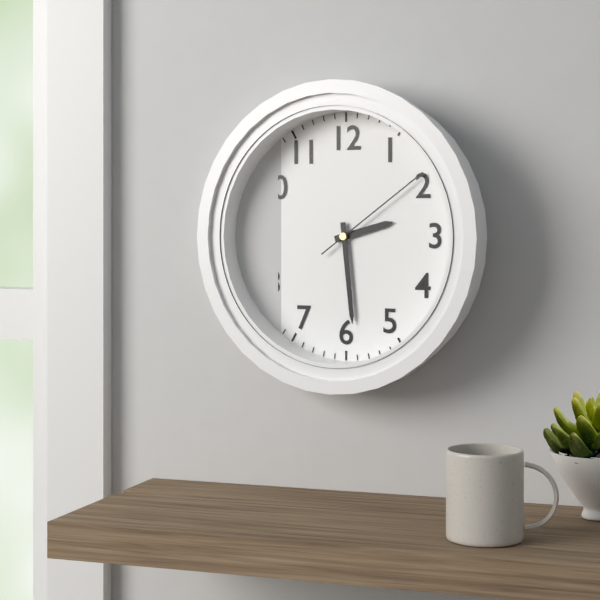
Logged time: 2 h 29 min 09 s
